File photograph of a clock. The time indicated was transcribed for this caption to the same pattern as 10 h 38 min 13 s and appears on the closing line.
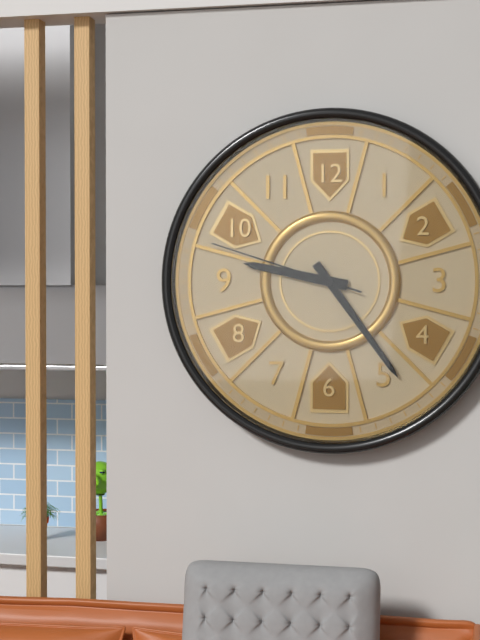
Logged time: 9 h 24 min 48 s
